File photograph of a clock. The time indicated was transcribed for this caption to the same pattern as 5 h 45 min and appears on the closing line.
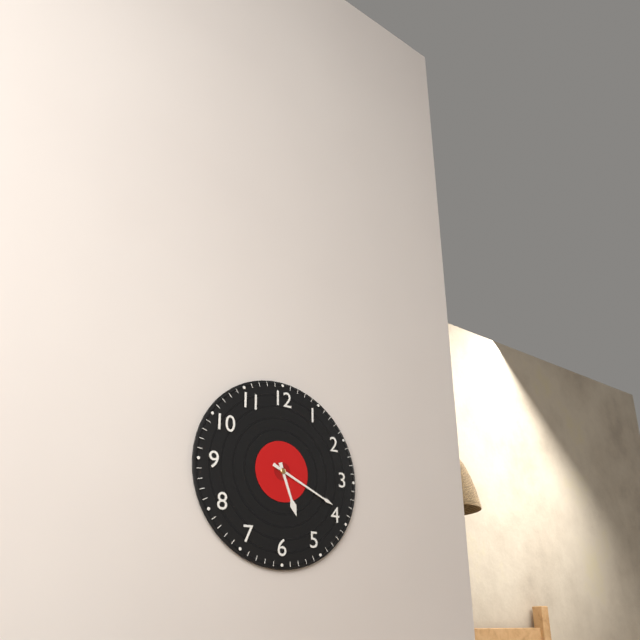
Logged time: 5 h 19 min
